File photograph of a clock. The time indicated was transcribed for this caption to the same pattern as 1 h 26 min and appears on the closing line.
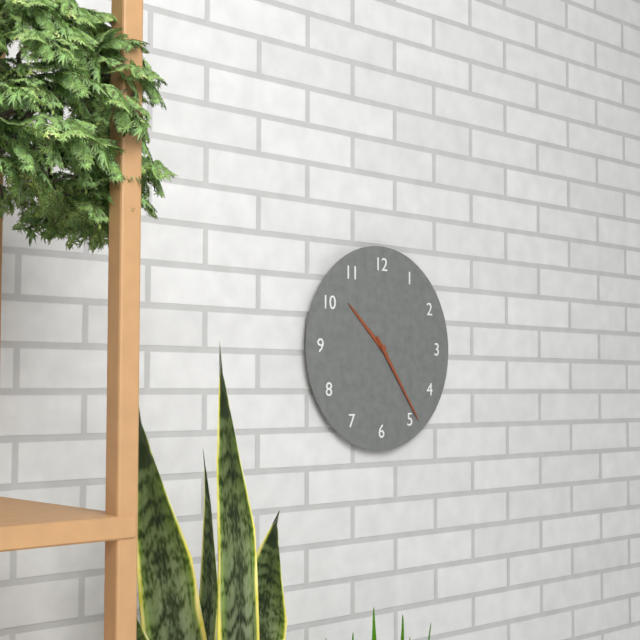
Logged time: 10 h 24 min
